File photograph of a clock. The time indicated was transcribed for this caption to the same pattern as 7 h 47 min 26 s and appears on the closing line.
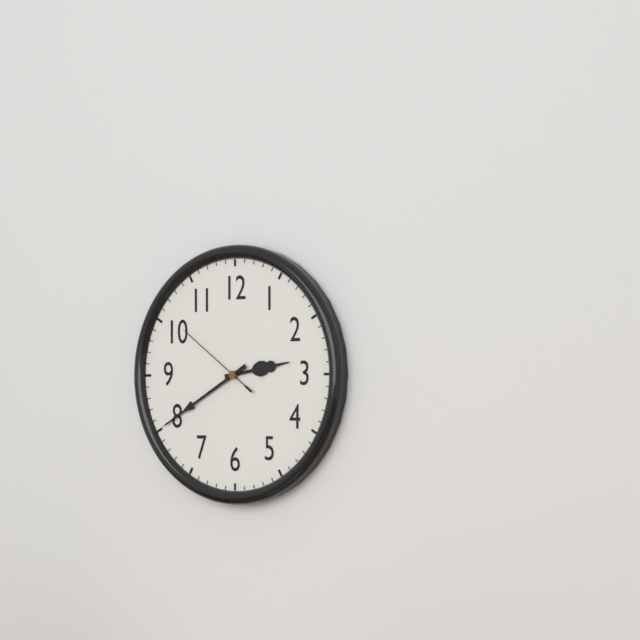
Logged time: 2 h 40 min 51 s
